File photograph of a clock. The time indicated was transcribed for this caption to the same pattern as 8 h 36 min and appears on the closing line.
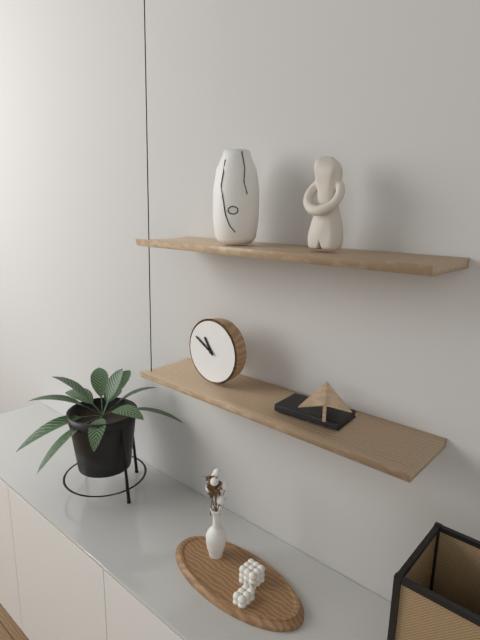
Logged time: 10 h 50 min
